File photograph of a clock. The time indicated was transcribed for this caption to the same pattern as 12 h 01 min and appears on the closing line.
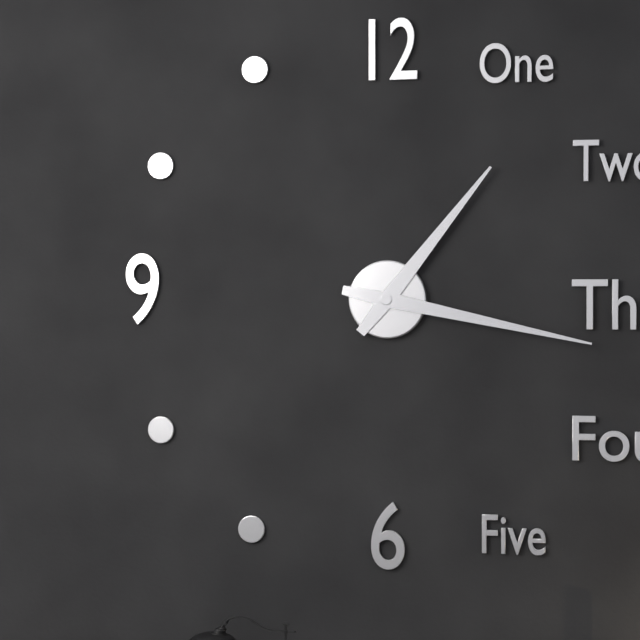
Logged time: 1 h 17 min
